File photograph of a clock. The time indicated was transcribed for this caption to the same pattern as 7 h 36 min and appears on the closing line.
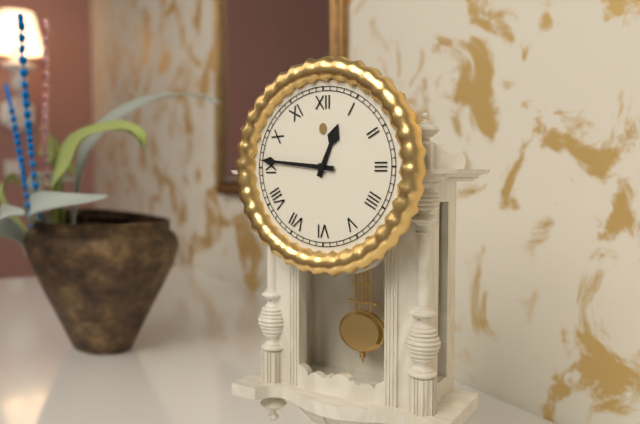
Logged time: 12 h 46 min
